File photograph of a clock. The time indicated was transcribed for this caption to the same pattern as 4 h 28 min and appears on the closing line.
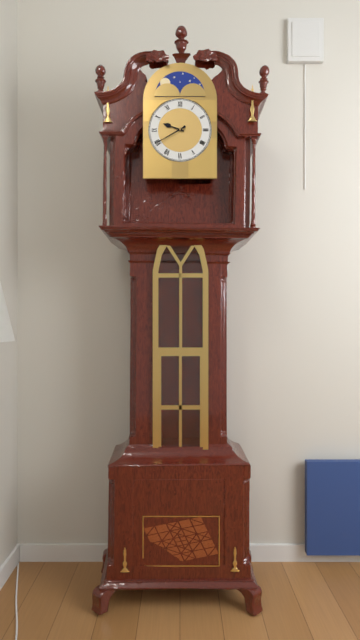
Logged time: 9 h 40 min
